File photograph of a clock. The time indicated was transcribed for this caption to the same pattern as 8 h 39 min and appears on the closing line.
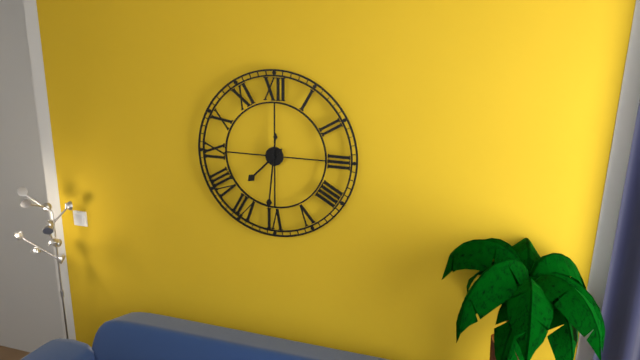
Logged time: 7 h 31 min
